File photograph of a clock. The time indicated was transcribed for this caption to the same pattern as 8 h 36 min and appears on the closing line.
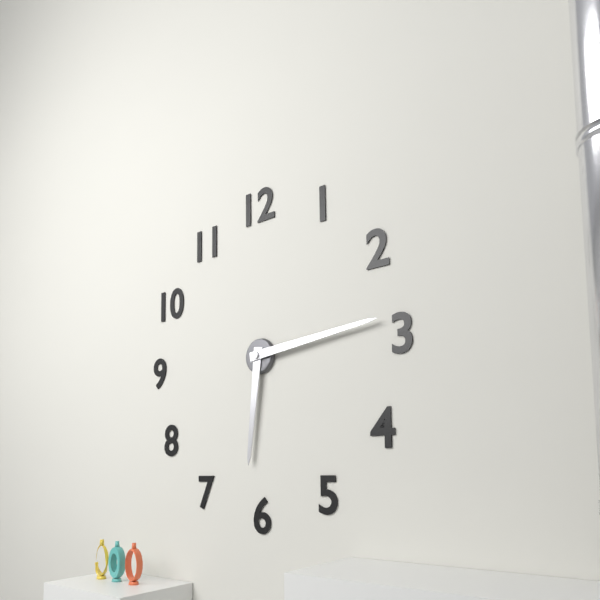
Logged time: 6 h 14 min
